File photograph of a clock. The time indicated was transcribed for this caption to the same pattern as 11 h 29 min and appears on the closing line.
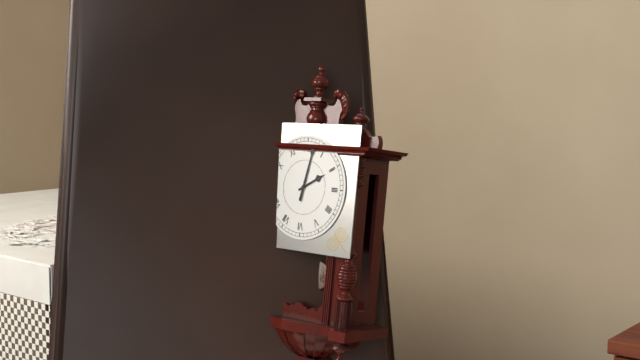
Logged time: 2 h 02 min
